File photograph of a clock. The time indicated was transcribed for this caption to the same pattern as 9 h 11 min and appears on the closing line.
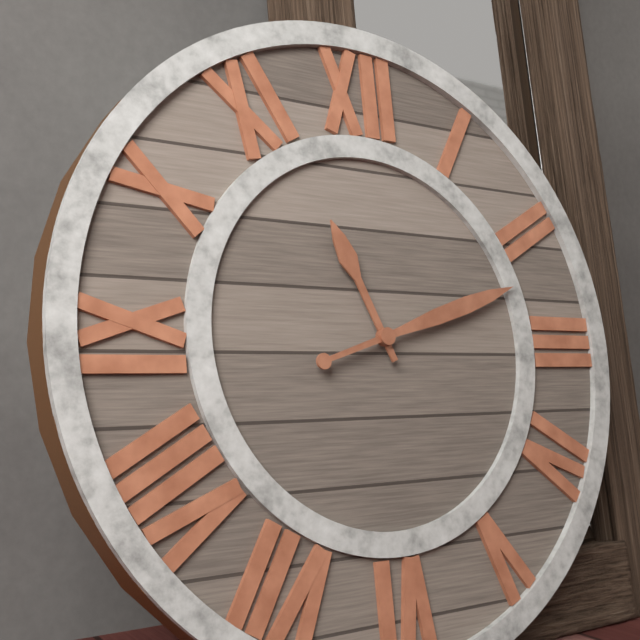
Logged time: 11 h 12 min
